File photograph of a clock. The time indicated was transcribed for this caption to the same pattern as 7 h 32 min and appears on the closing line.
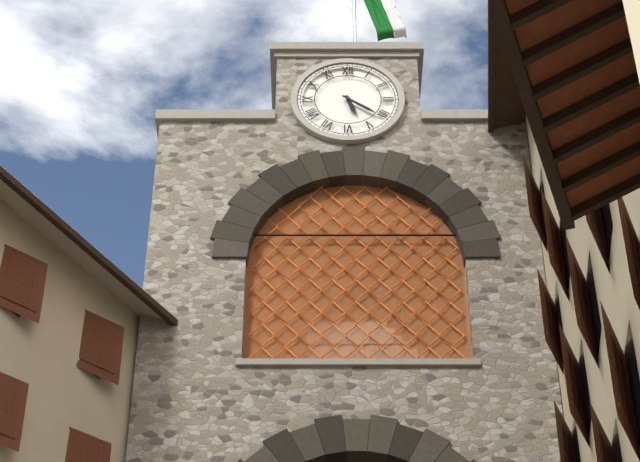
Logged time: 5 h 21 min
